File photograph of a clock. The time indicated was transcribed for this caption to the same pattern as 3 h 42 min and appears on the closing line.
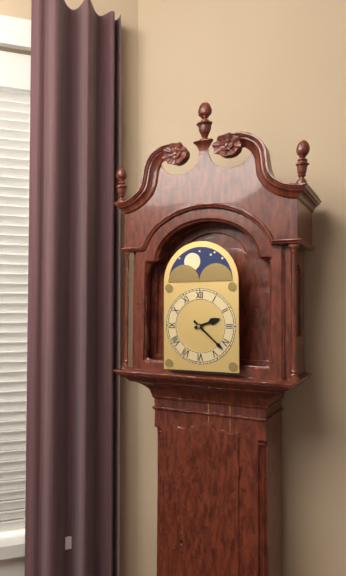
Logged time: 2 h 22 min
